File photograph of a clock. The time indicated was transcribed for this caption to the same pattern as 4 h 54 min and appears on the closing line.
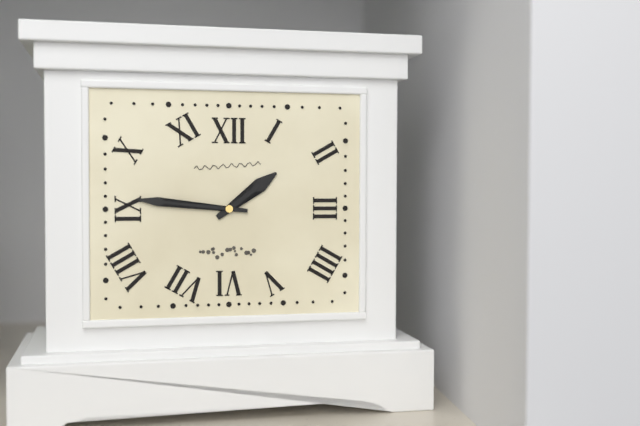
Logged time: 1 h 46 min
